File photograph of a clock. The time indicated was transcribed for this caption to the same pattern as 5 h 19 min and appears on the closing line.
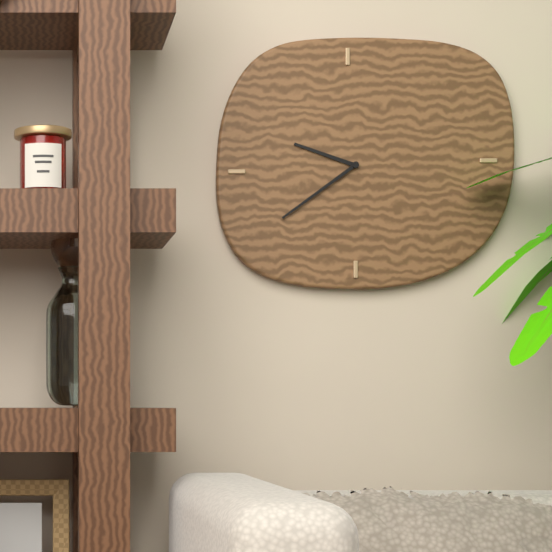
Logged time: 9 h 39 min
